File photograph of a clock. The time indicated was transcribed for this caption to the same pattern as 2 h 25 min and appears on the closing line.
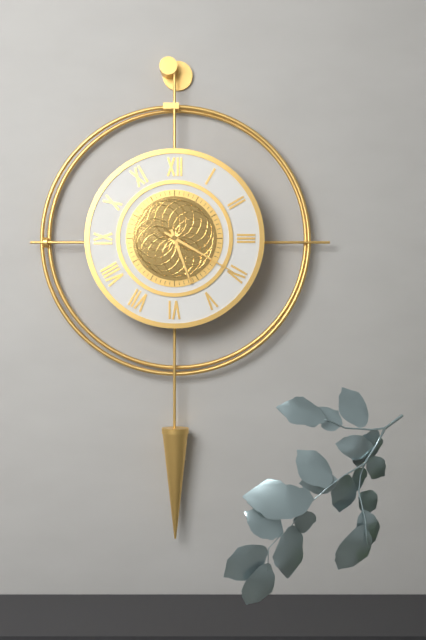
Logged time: 5 h 20 min
